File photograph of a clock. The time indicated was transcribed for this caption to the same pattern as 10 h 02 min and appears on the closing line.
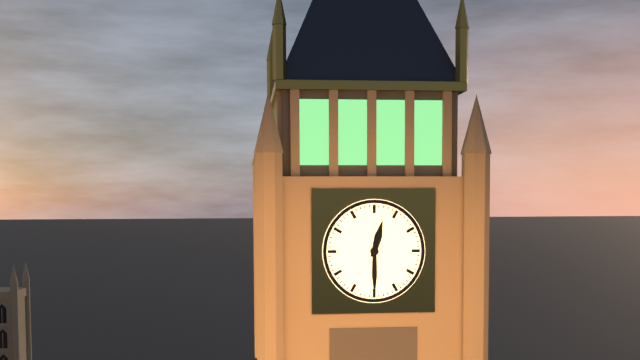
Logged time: 12 h 30 min
